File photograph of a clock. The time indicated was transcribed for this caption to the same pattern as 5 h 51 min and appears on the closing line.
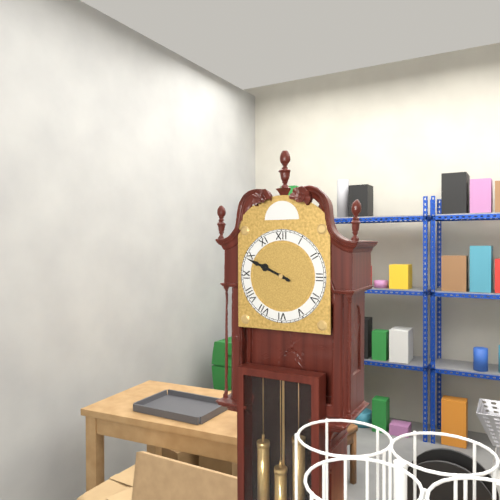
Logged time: 9 h 49 min
